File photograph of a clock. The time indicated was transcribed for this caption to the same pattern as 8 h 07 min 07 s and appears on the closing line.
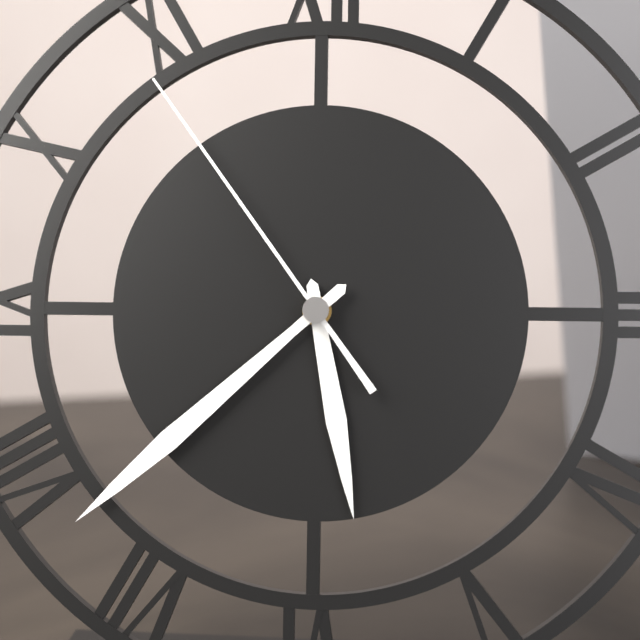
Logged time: 5 h 38 min 54 s
